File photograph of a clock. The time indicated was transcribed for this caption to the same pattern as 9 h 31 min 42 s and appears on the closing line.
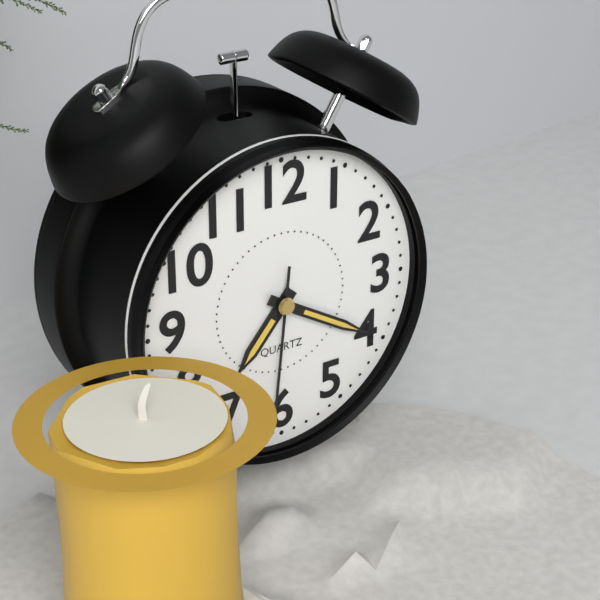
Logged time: 7 h 20 min 31 s
